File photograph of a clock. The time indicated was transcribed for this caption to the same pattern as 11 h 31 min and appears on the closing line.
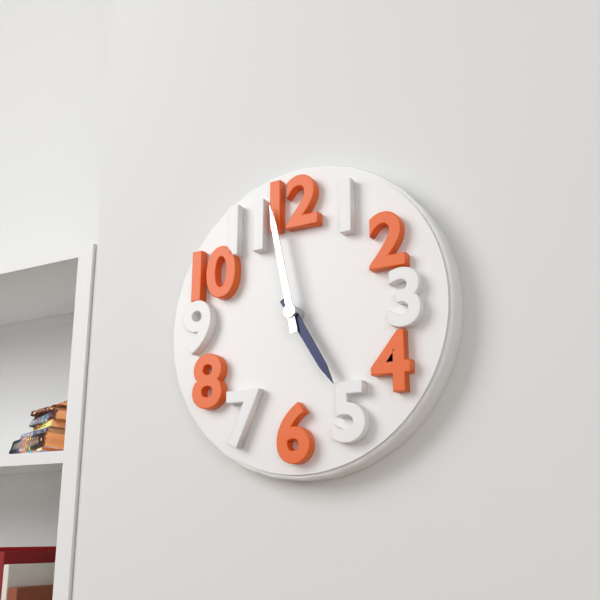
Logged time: 4 h 58 min
